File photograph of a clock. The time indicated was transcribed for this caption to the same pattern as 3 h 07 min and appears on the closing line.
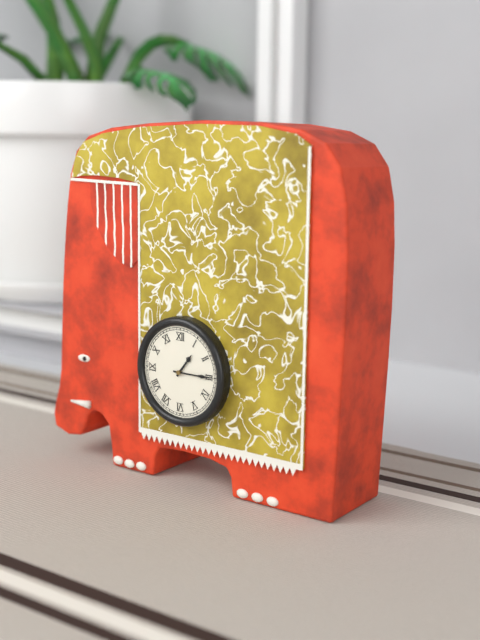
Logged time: 1 h 15 min
